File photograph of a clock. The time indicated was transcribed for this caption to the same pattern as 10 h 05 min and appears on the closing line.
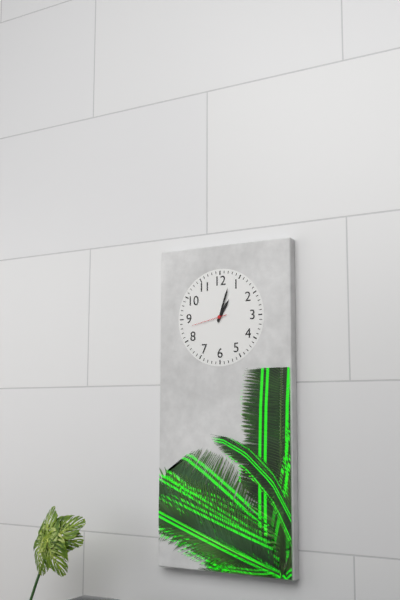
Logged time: 1 h 03 min
